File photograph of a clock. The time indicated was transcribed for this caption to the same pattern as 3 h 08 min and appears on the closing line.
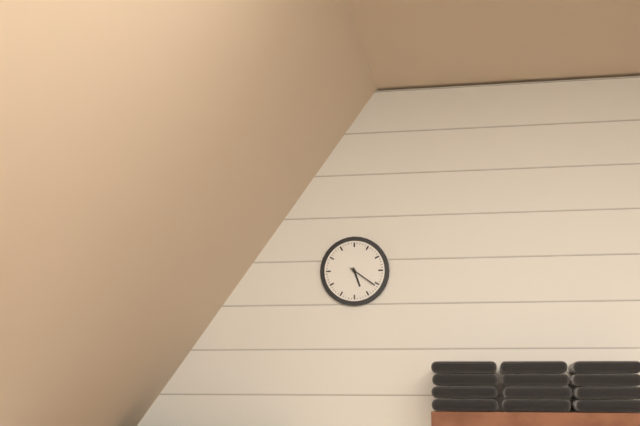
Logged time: 5 h 21 min
